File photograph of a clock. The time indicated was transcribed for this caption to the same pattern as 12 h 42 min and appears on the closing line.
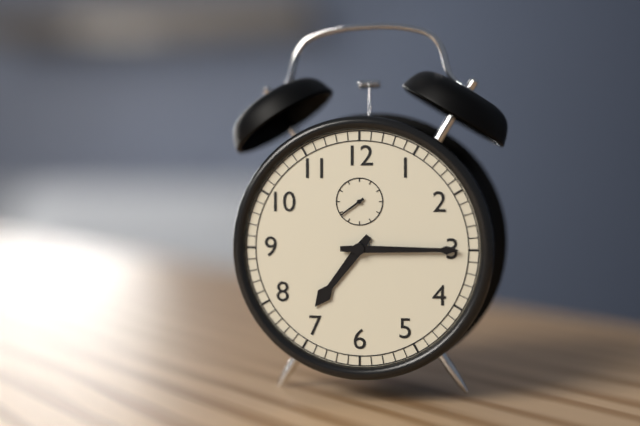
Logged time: 7 h 15 min
